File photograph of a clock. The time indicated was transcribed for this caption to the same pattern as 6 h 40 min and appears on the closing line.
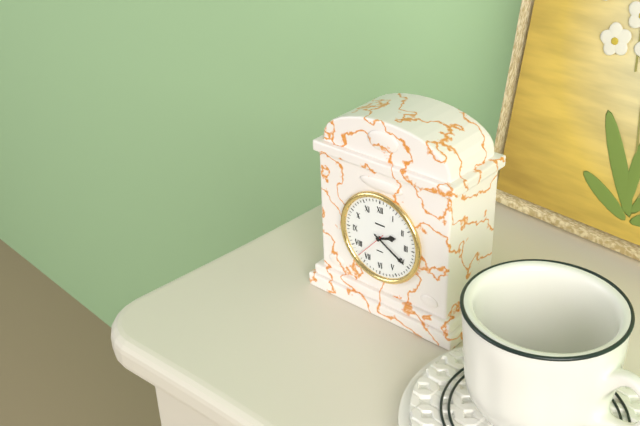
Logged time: 2 h 20 min
